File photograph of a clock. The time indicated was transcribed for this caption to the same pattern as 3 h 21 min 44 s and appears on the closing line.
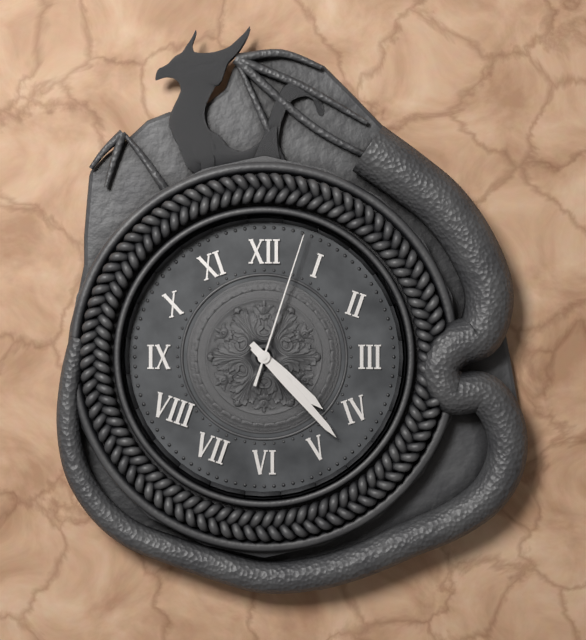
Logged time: 4 h 23 min 03 s
